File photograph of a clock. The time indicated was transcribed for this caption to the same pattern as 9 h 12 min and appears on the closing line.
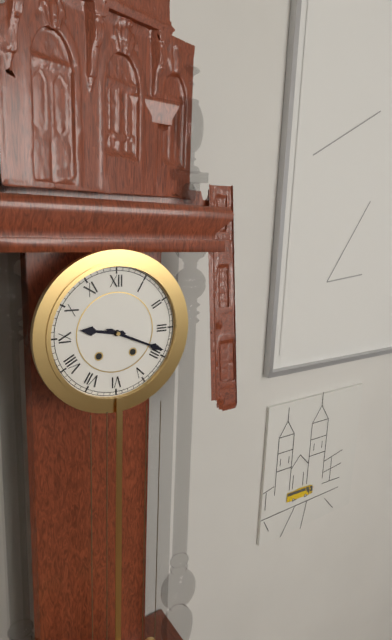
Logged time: 9 h 19 min
